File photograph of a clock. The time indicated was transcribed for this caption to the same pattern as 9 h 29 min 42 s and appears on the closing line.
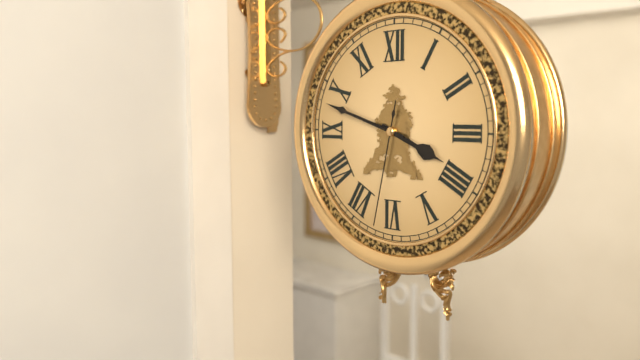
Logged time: 3 h 48 min 32 s
